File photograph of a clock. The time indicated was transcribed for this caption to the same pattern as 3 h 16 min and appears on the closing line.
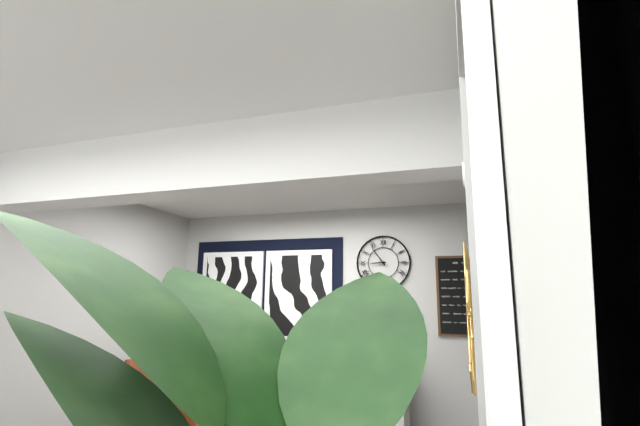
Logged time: 8 h 54 min
